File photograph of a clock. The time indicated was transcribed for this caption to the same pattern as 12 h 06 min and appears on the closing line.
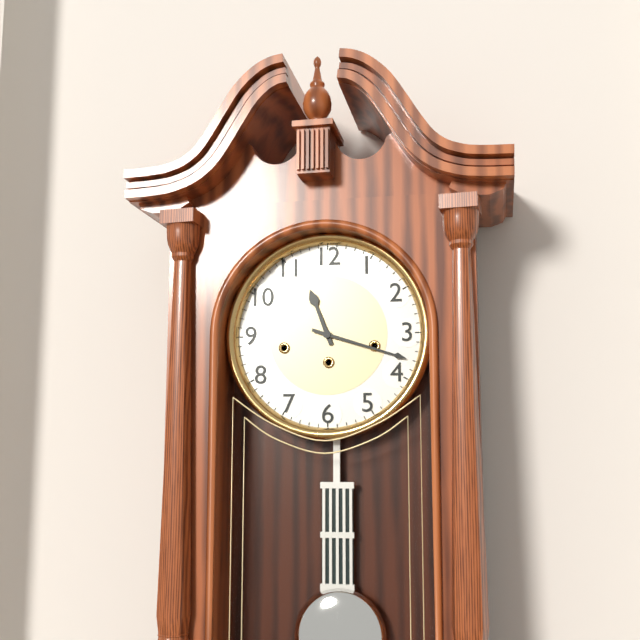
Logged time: 11 h 18 min
